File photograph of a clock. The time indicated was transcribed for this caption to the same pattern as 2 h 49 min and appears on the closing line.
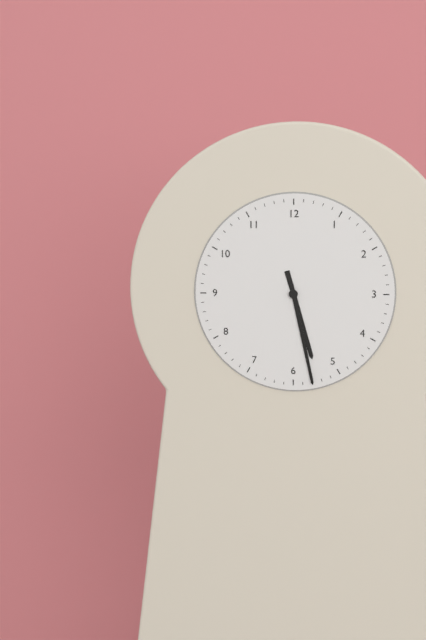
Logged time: 5 h 28 min
